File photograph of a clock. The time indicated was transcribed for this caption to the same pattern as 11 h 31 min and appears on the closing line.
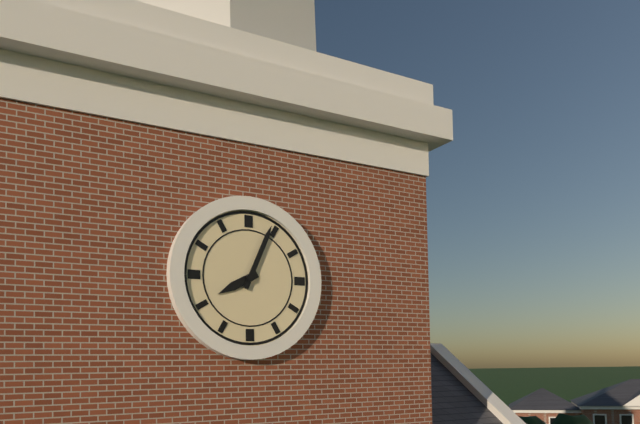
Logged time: 8 h 04 min
